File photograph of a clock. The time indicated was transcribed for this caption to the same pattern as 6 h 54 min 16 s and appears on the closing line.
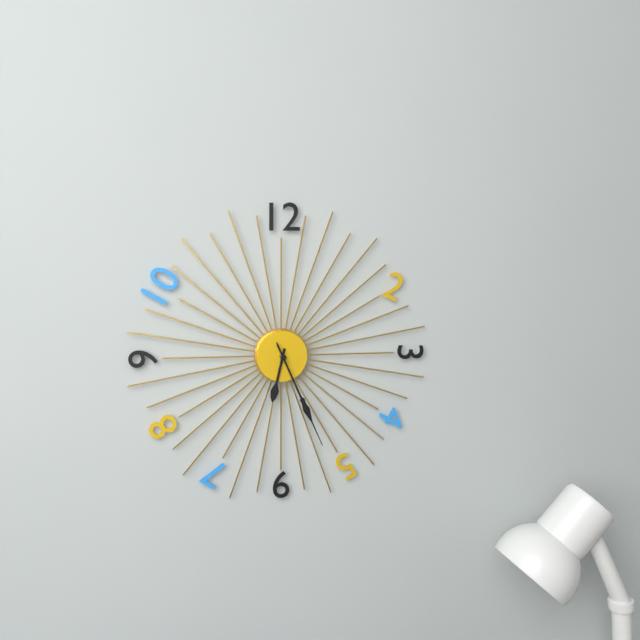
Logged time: 6 h 26 min 26 s
